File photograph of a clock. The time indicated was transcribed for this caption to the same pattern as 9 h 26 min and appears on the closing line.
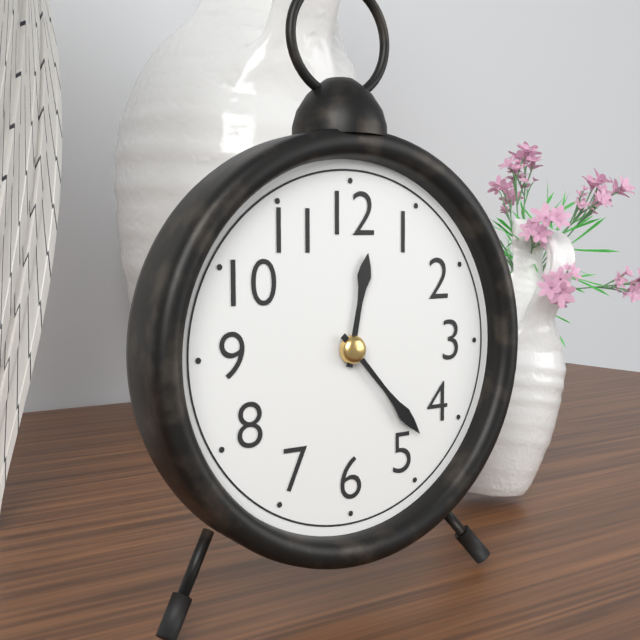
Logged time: 12 h 23 min
